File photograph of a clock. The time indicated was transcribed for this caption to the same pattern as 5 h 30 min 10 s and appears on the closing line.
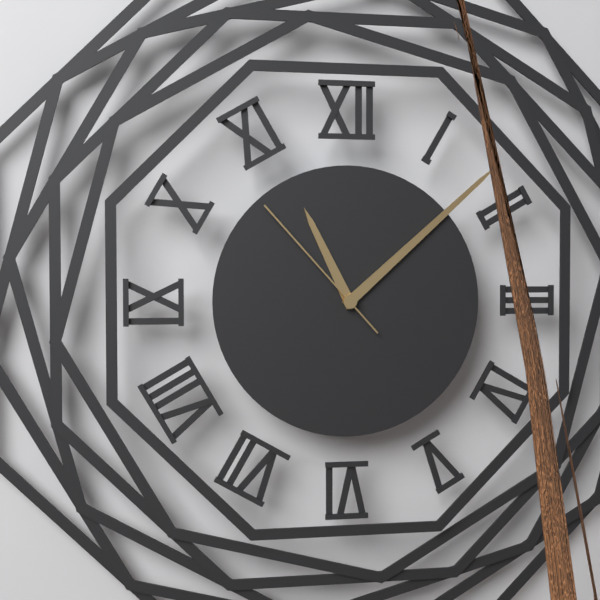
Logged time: 11 h 08 min 53 s
